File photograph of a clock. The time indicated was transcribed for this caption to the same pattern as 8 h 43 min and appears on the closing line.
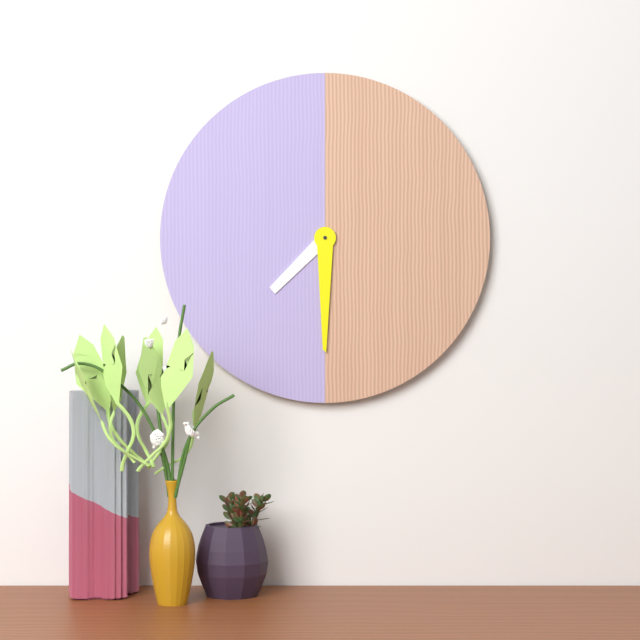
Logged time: 7 h 30 min
